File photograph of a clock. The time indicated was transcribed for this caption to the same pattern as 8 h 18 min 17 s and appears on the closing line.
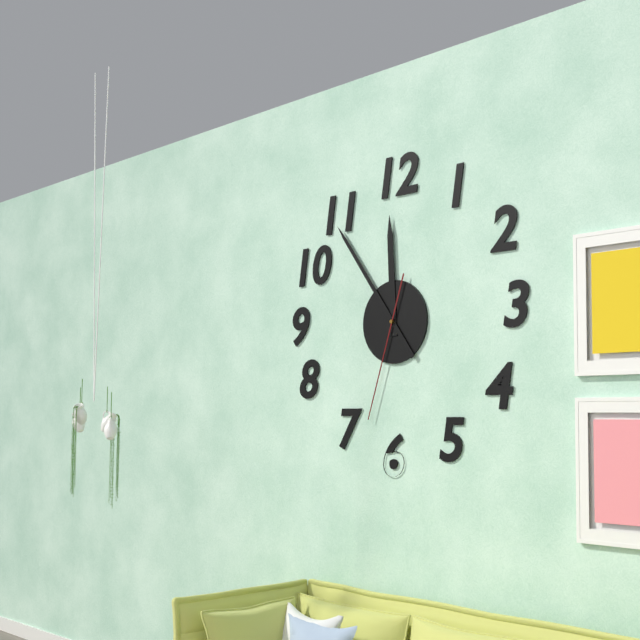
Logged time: 11 h 54 min 33 s
